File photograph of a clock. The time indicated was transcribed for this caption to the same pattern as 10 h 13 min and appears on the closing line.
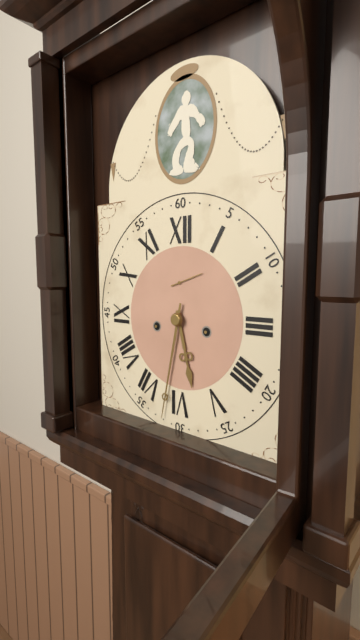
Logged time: 5 h 32 min
